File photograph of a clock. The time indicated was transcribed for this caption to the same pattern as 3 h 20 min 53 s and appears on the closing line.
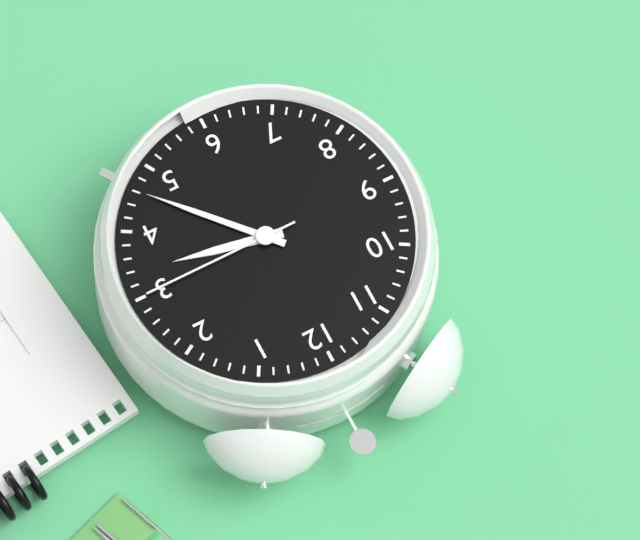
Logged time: 3 h 23 min 15 s
